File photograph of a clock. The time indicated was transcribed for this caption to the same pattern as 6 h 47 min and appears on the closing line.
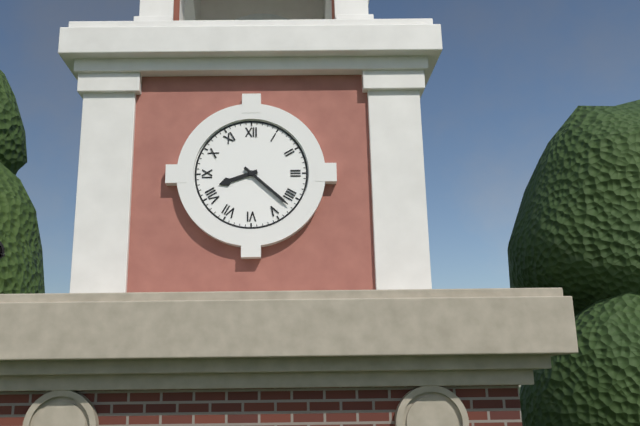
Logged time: 8 h 22 min
